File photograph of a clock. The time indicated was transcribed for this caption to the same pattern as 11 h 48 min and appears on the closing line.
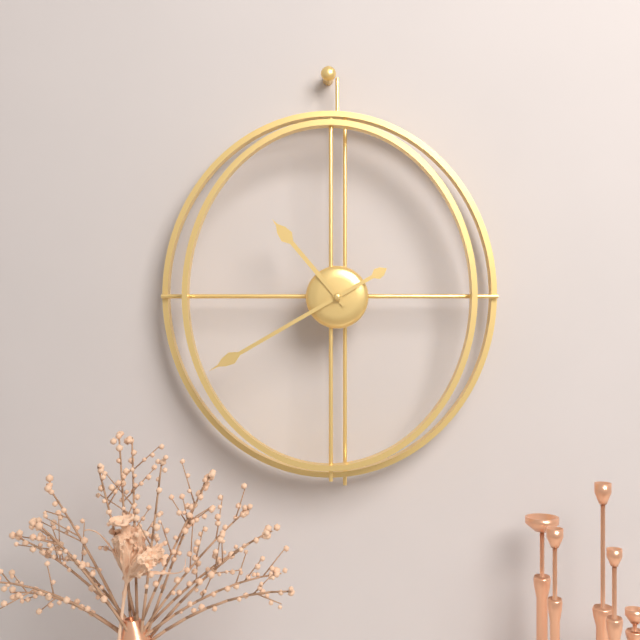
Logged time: 10 h 40 min
